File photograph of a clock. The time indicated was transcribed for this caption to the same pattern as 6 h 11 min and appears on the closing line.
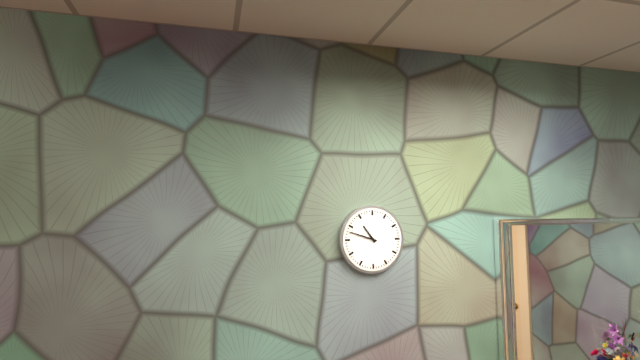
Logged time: 10 h 48 min
